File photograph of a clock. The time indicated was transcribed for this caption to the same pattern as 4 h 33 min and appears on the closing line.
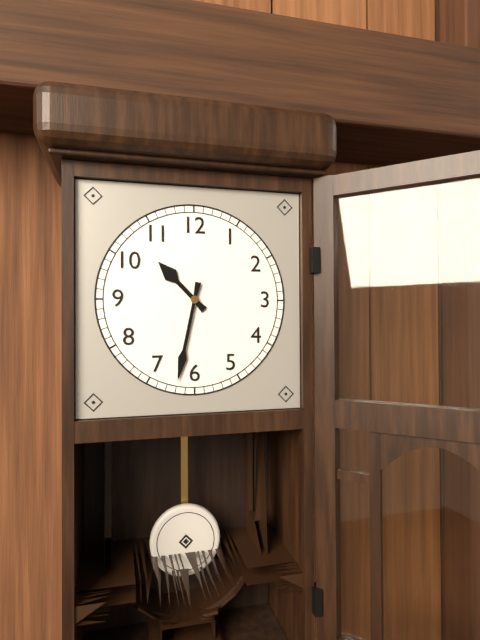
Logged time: 10 h 32 min
